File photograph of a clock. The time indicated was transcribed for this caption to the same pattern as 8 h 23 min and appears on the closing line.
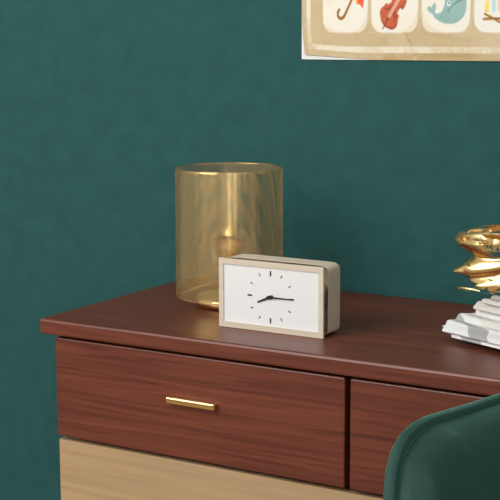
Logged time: 8 h 15 min
